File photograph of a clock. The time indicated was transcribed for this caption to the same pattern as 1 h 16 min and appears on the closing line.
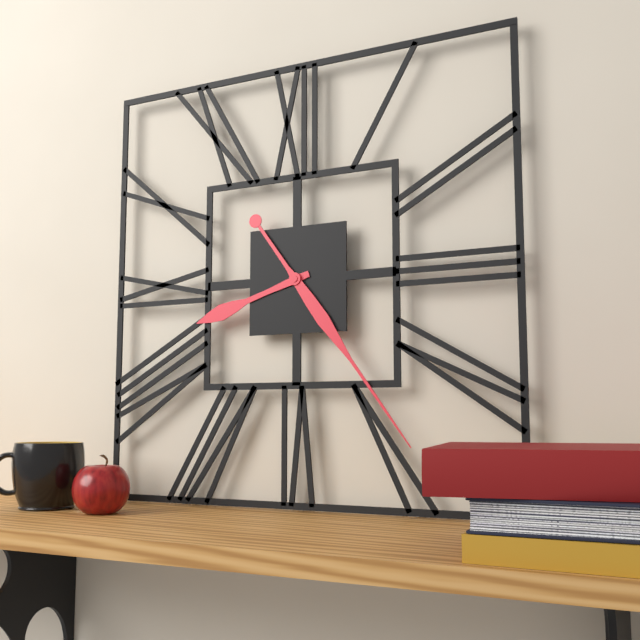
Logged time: 8 h 24 min
